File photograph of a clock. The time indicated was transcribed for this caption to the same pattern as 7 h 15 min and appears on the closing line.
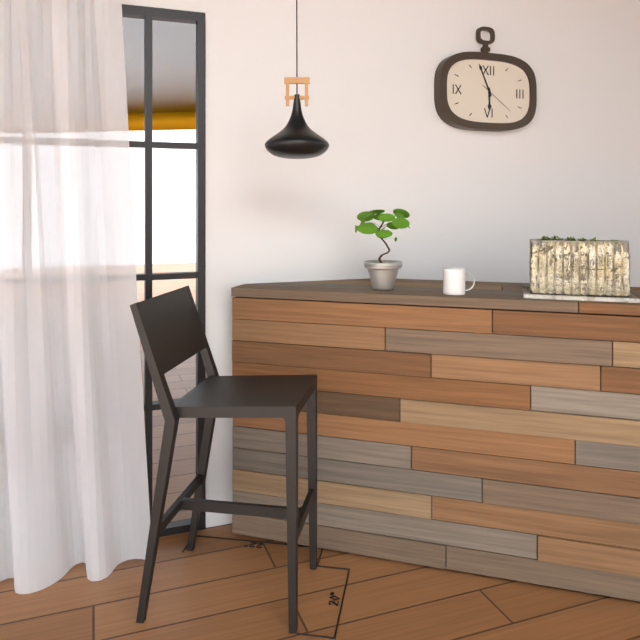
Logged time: 5 h 56 min
